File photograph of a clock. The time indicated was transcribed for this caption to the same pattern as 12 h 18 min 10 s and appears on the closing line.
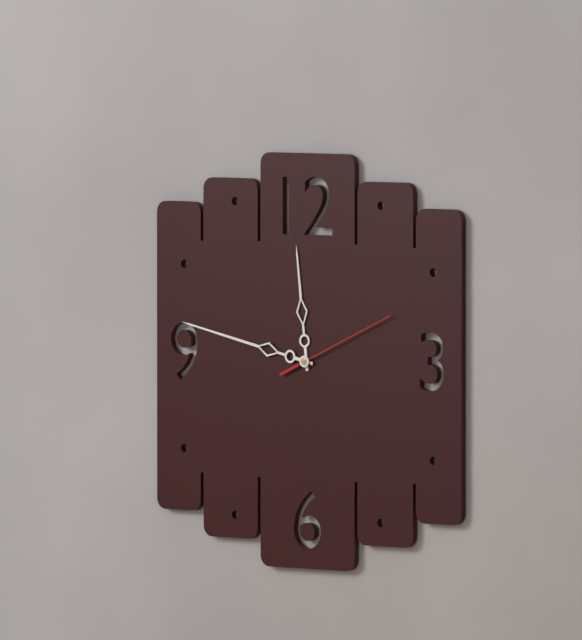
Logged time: 11 h 47 min 11 s
